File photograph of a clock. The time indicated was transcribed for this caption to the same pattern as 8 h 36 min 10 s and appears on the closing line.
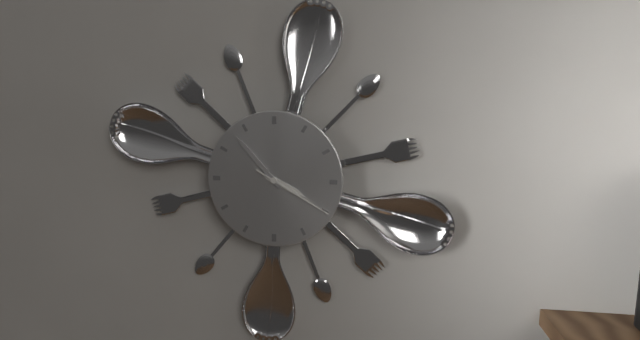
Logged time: 3 h 53 min 20 s
